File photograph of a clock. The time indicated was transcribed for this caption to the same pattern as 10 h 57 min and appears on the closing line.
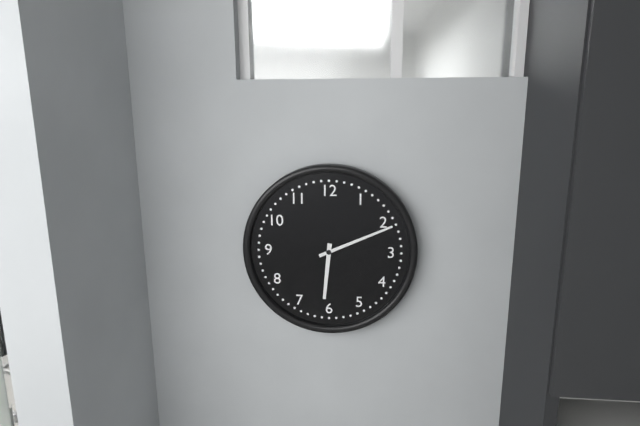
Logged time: 6 h 11 min
